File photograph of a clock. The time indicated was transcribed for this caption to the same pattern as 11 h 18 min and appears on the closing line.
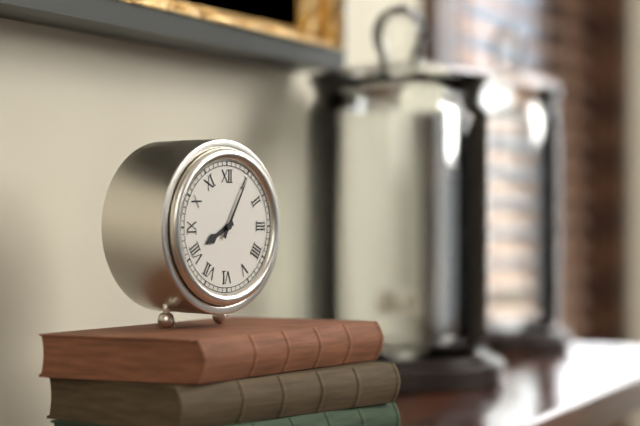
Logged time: 8 h 05 min
